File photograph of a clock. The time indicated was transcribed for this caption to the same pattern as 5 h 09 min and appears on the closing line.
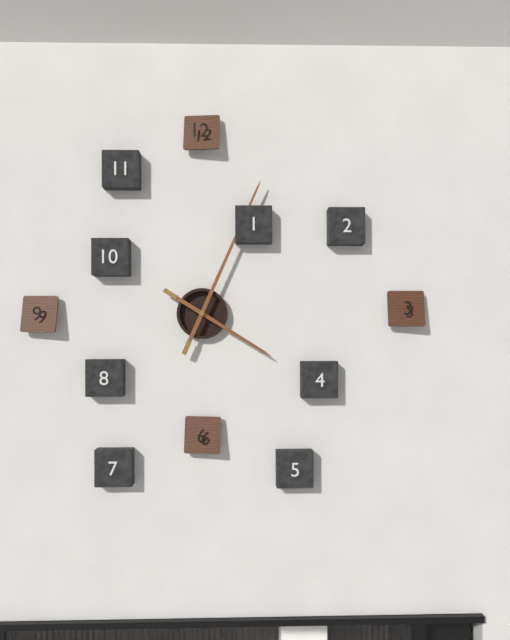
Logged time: 4 h 04 min
